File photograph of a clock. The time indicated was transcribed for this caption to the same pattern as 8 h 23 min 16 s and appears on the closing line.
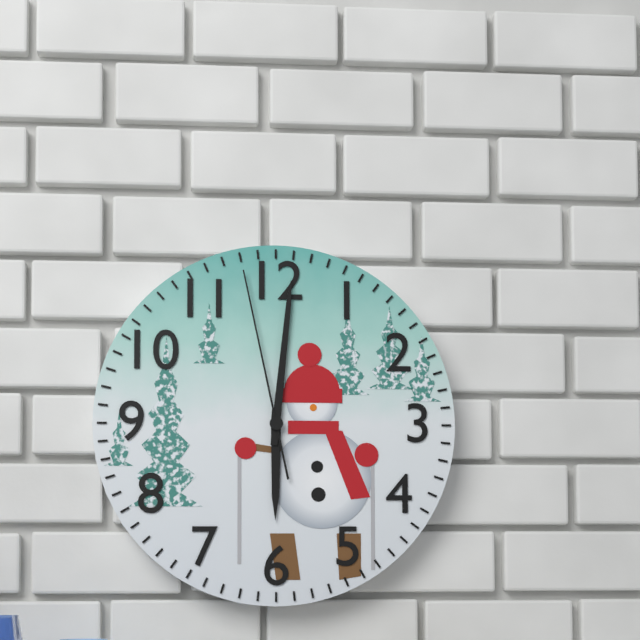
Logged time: 6 h 01 min 58 s
